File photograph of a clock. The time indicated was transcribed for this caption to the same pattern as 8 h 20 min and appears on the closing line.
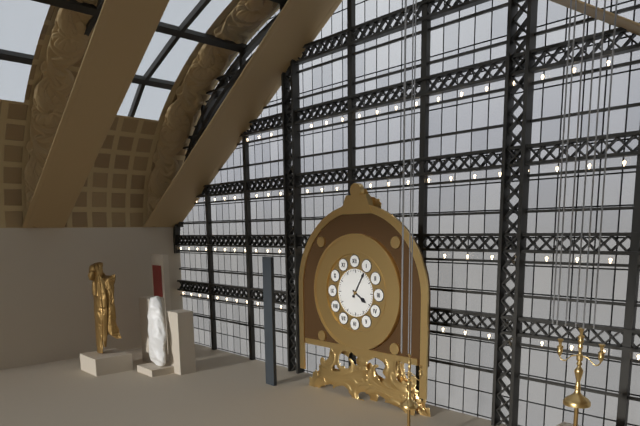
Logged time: 4 h 05 min
